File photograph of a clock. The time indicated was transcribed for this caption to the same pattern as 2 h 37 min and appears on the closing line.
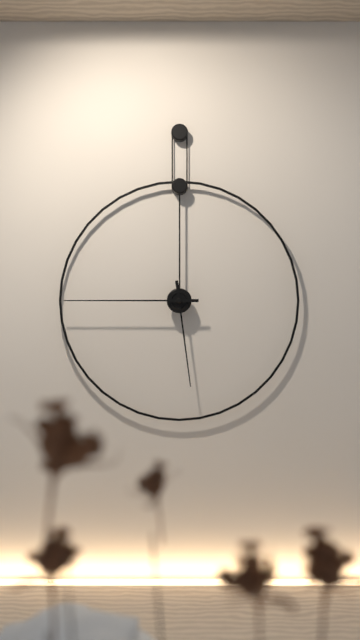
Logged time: 5 h 45 min
